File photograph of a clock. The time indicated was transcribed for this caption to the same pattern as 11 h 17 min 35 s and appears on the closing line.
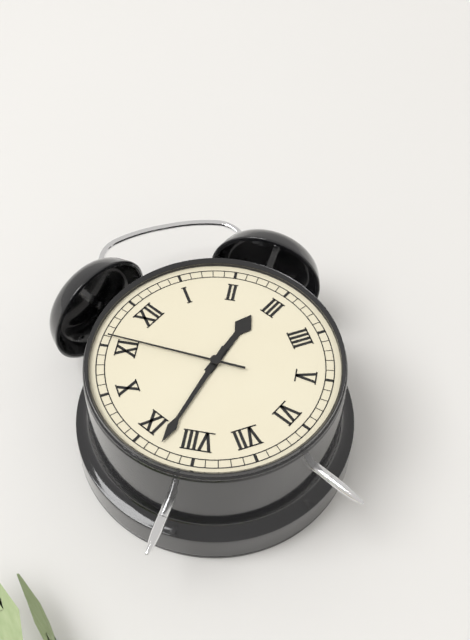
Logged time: 2 h 43 min 56 s
